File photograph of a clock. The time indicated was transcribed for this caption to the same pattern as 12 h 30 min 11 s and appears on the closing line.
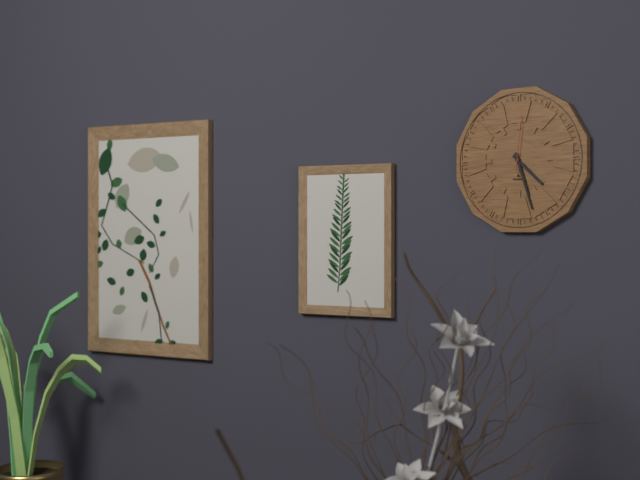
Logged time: 4 h 27 min 01 s
